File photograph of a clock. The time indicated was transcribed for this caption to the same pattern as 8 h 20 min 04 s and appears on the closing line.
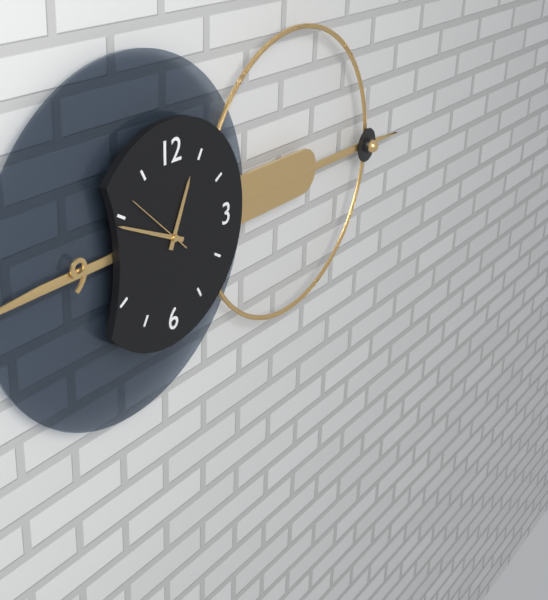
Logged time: 12 h 49 min 52 s
